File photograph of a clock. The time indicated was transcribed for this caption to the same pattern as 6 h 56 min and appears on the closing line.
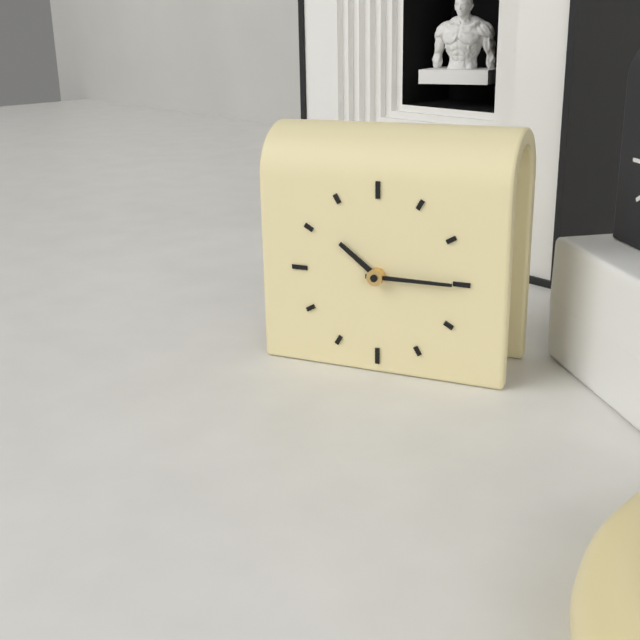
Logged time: 10 h 15 min
